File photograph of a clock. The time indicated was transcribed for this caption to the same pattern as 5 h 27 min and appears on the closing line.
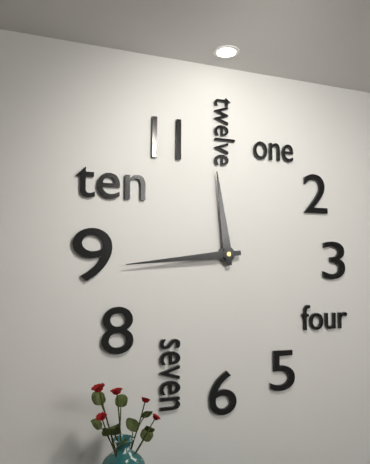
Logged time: 11 h 44 min
